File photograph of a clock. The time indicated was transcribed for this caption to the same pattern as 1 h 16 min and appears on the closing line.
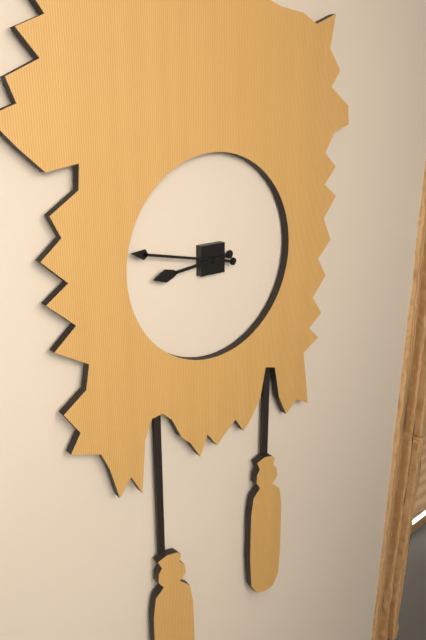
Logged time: 8 h 47 min
